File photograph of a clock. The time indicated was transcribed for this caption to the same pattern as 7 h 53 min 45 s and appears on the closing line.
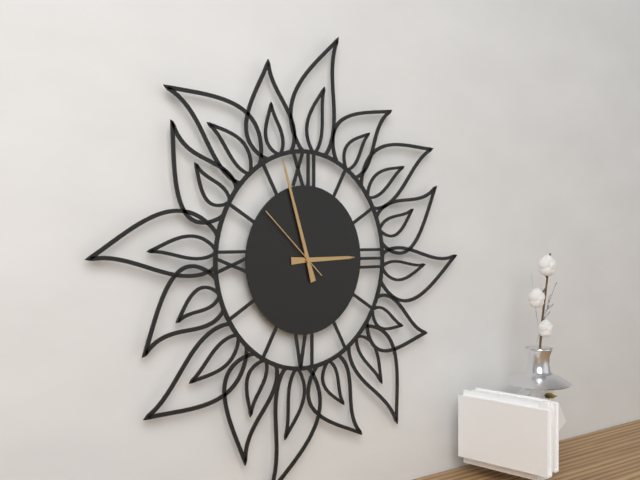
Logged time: 2 h 57 min 52 s
